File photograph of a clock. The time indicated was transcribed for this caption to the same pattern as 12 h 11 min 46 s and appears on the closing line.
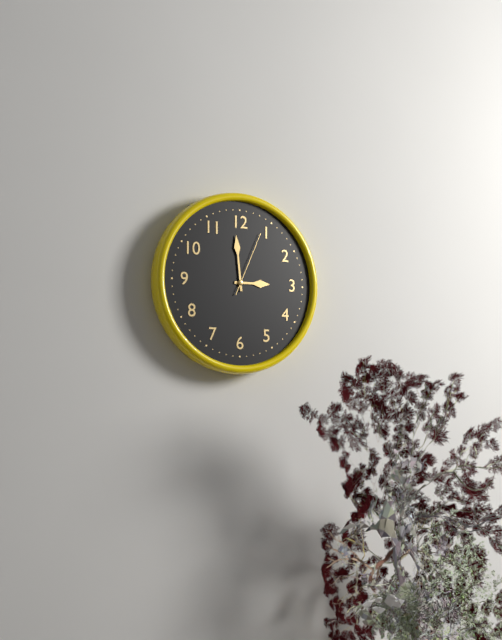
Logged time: 2 h 59 min 04 s
